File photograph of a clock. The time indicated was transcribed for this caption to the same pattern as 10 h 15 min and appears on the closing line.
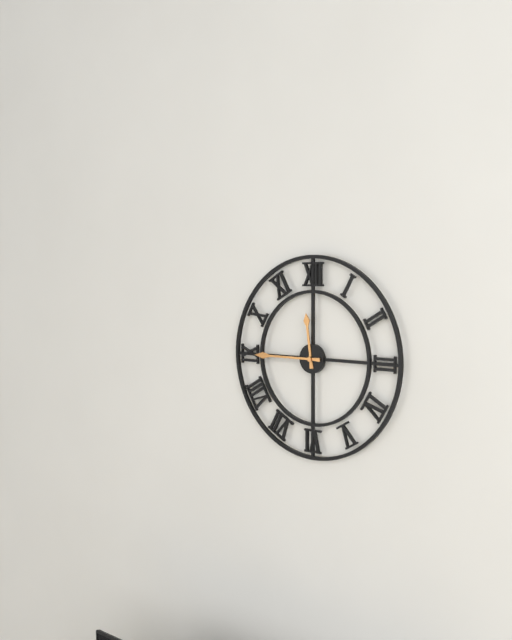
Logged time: 11 h 45 min
